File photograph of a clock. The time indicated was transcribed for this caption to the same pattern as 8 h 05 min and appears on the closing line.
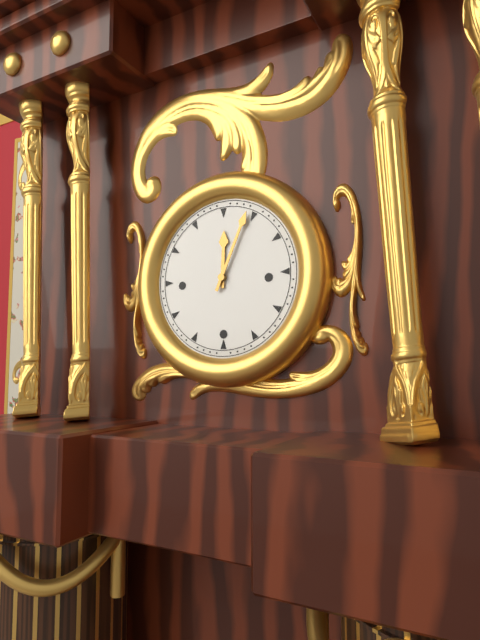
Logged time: 12 h 04 min
